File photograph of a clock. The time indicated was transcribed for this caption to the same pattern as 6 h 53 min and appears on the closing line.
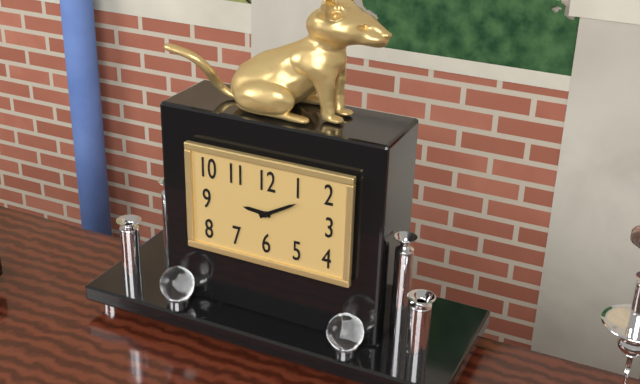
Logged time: 9 h 10 min
